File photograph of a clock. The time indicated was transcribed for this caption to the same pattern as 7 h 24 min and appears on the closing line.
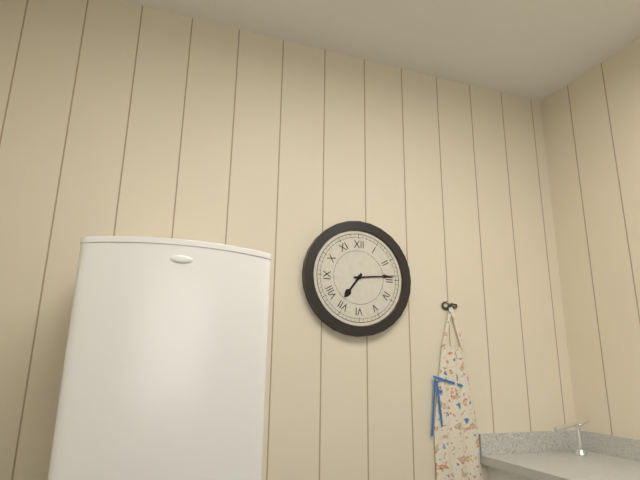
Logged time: 7 h 14 min
